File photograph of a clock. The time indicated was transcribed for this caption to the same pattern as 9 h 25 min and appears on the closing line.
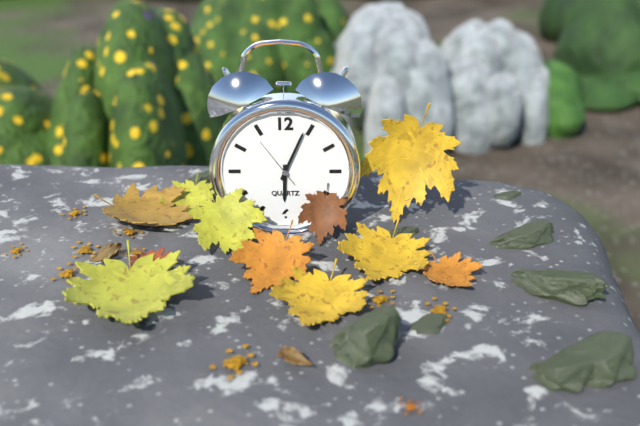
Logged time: 6 h 04 min
